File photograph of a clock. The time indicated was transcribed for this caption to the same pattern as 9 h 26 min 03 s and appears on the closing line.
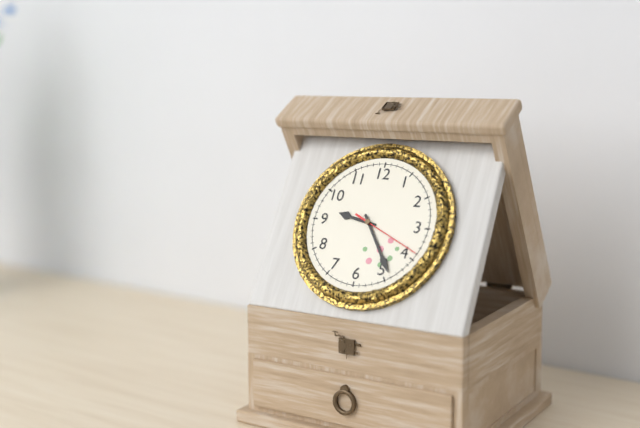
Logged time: 9 h 24 min 19 s
